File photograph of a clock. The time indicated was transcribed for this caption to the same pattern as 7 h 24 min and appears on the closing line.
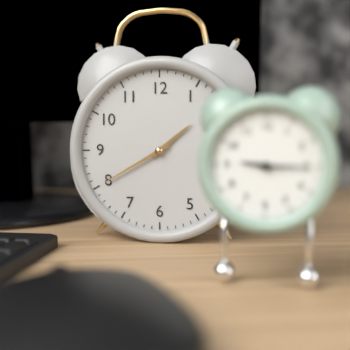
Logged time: 1 h 40 min
